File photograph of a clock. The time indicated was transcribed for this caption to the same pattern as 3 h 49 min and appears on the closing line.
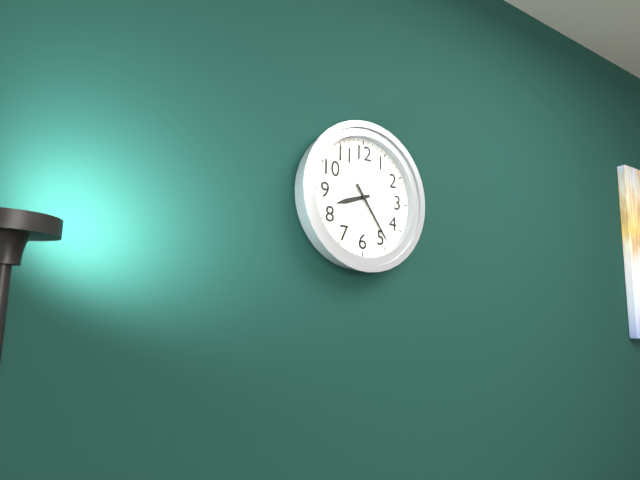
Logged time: 8 h 24 min
